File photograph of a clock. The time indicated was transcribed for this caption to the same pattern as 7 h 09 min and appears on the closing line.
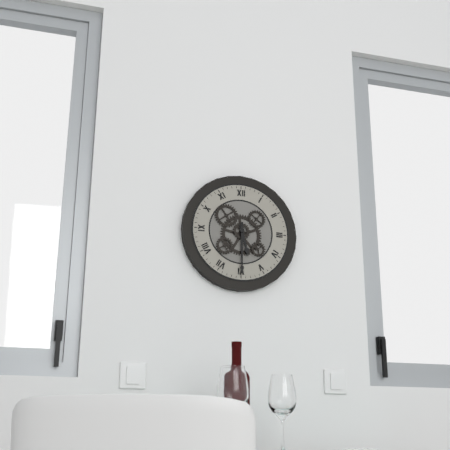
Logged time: 5 h 30 min
